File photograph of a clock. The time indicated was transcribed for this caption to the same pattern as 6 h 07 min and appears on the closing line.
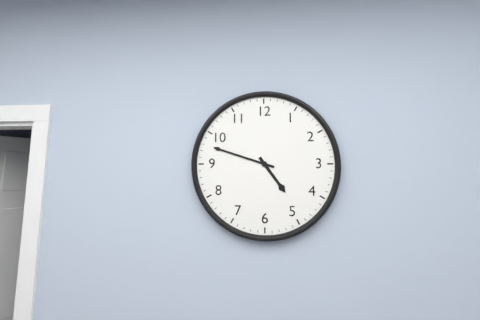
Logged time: 4 h 48 min
